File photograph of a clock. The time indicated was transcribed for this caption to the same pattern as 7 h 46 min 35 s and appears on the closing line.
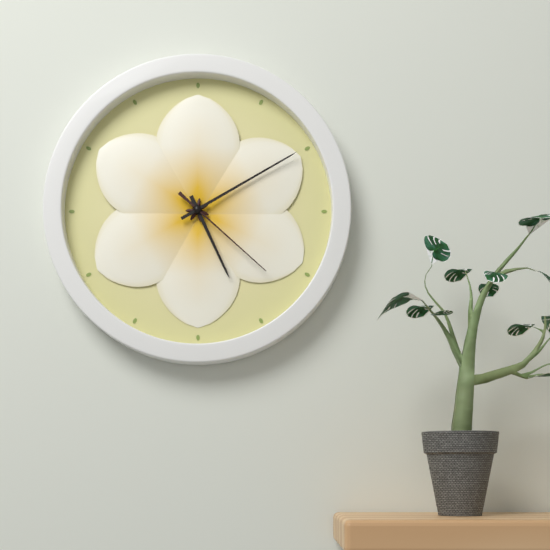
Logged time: 5 h 10 min 22 s
